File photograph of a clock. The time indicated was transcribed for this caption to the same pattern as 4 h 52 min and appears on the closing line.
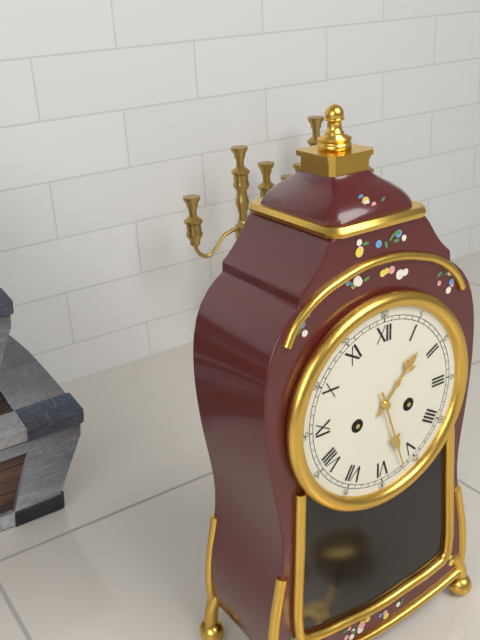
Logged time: 1 h 27 min
